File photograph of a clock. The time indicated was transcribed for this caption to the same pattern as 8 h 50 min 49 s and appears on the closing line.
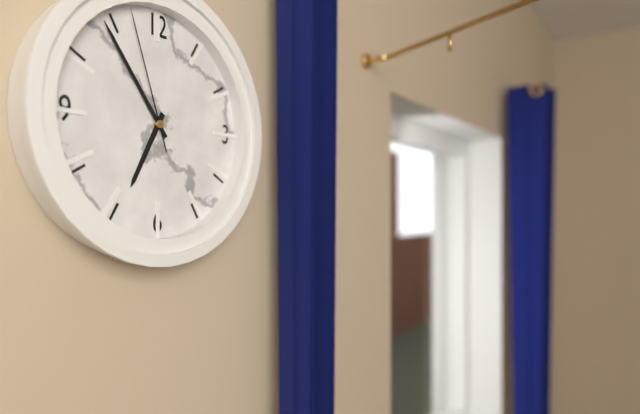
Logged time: 6 h 54 min 57 s
